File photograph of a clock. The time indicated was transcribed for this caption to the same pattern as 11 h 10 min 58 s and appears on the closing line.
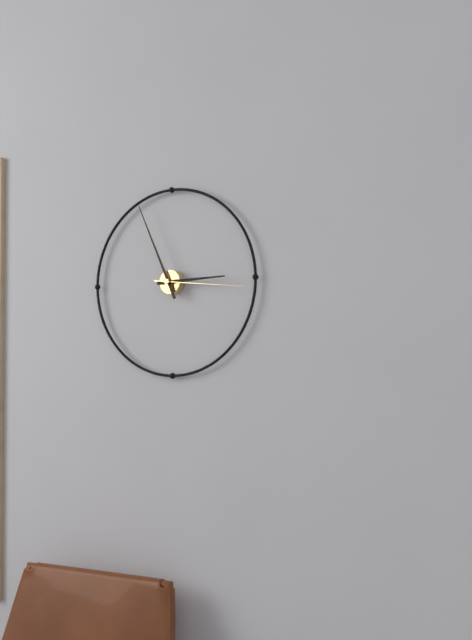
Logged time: 2 h 56 min 16 s
